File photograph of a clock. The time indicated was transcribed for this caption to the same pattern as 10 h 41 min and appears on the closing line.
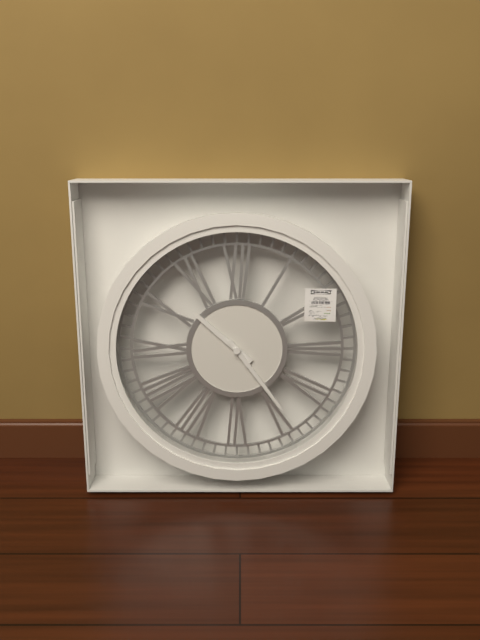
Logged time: 10 h 24 min
